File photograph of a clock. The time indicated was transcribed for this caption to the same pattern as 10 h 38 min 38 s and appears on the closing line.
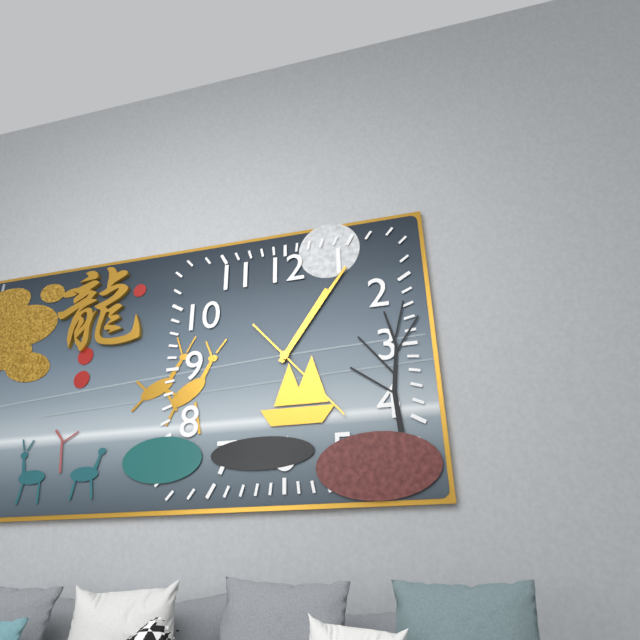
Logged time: 1 h 06 min 23 s
